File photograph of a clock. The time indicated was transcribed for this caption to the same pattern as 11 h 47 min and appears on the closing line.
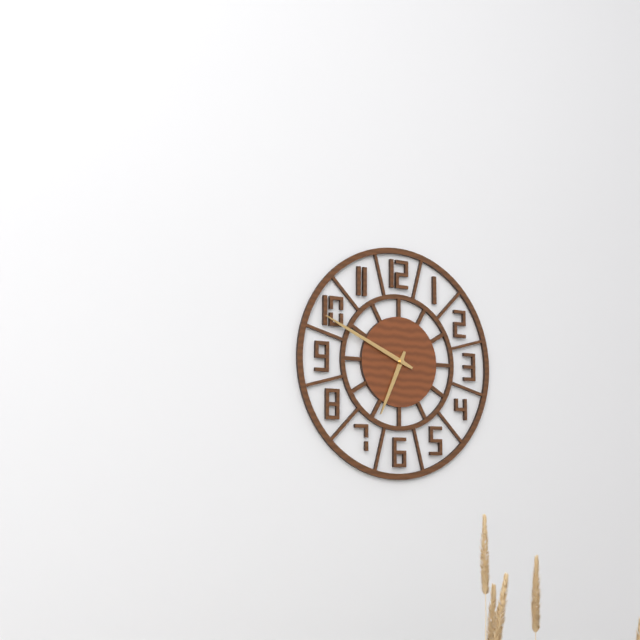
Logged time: 6 h 49 min
